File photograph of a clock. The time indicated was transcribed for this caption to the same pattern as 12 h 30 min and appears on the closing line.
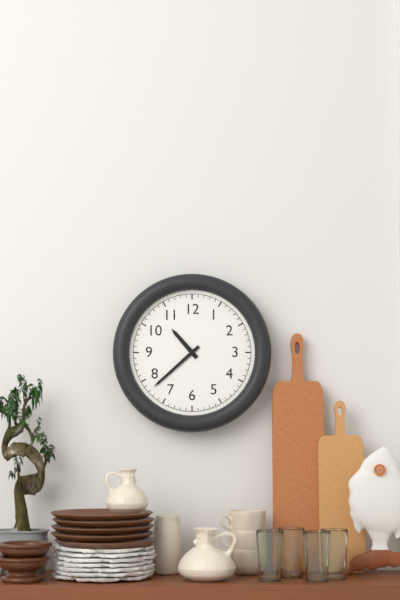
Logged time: 10 h 38 min
